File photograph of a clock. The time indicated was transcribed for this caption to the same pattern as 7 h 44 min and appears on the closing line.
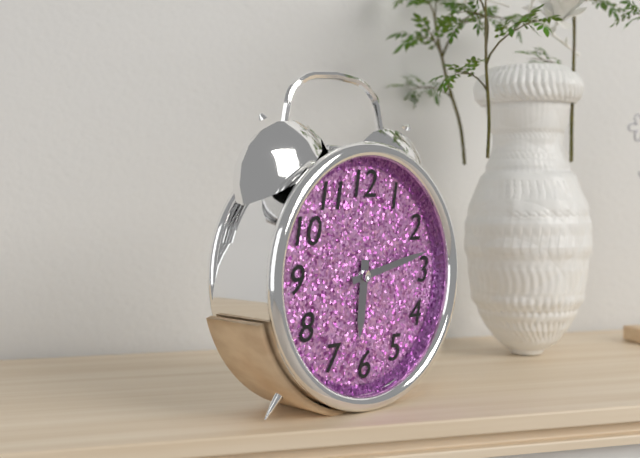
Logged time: 6 h 13 min
